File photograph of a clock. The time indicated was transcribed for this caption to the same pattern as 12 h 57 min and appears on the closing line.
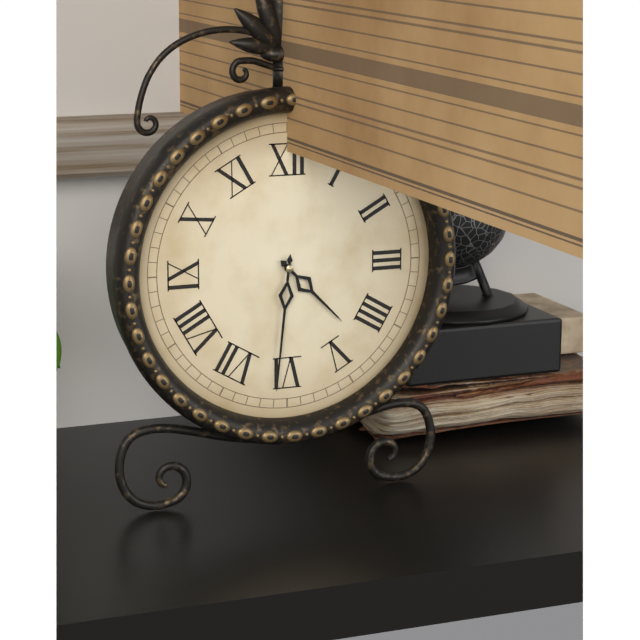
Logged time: 4 h 31 min
